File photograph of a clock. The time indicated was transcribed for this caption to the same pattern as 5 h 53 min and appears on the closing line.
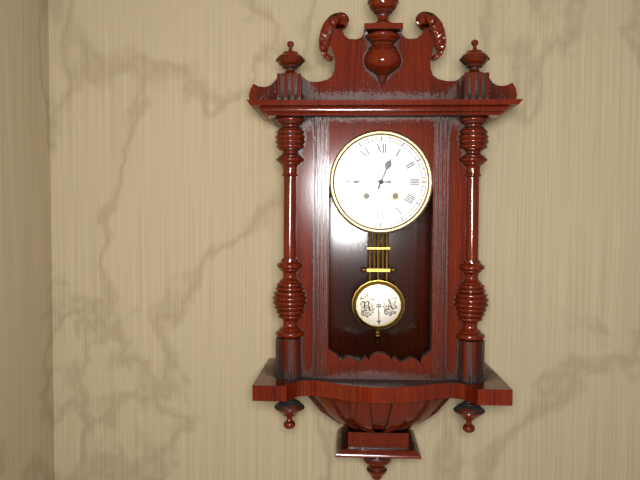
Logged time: 12 h 45 min
